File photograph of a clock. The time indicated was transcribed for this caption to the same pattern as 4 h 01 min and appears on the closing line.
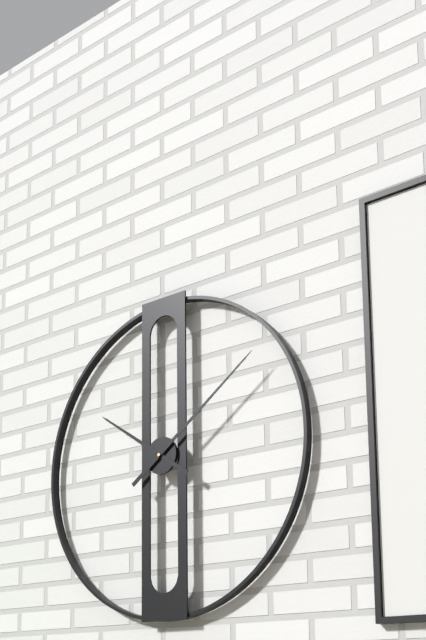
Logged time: 10 h 09 min
